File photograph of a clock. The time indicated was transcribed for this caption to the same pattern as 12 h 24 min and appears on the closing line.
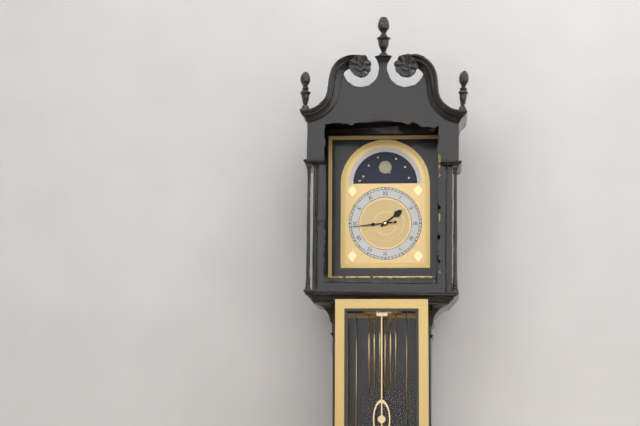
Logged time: 1 h 44 min
